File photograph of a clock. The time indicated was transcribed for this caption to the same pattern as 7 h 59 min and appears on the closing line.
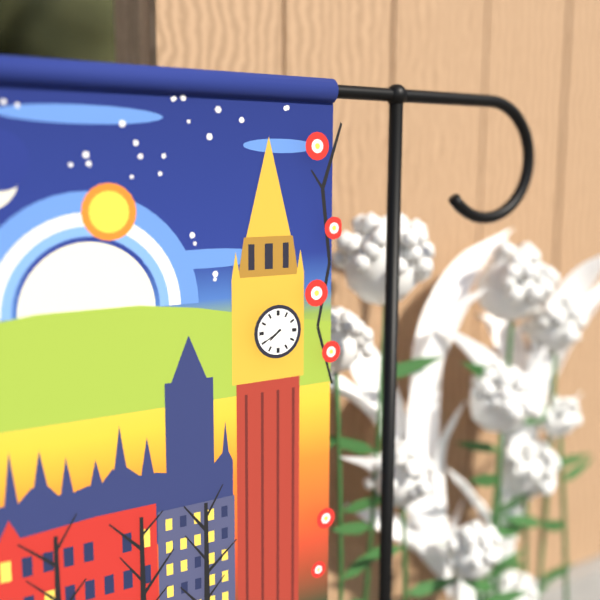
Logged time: 7 h 40 min
